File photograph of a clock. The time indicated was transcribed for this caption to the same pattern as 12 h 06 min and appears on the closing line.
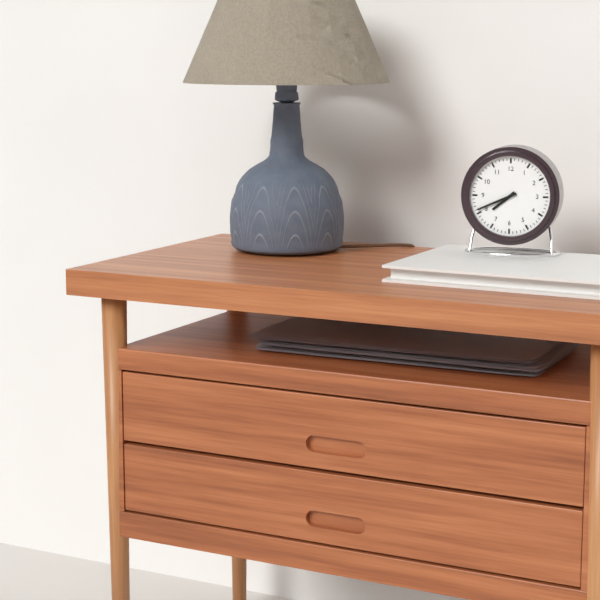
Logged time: 7 h 41 min
